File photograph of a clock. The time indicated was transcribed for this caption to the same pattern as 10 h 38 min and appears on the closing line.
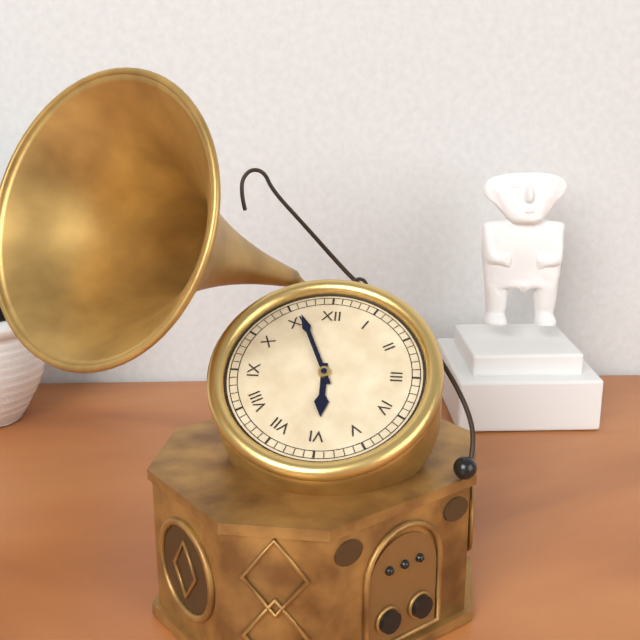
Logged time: 5 h 56 min
